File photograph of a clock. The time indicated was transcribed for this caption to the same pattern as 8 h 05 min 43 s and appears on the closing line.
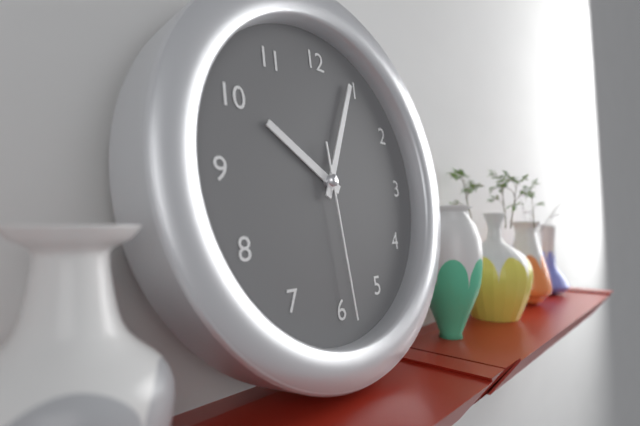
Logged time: 10 h 04 min 29 s
